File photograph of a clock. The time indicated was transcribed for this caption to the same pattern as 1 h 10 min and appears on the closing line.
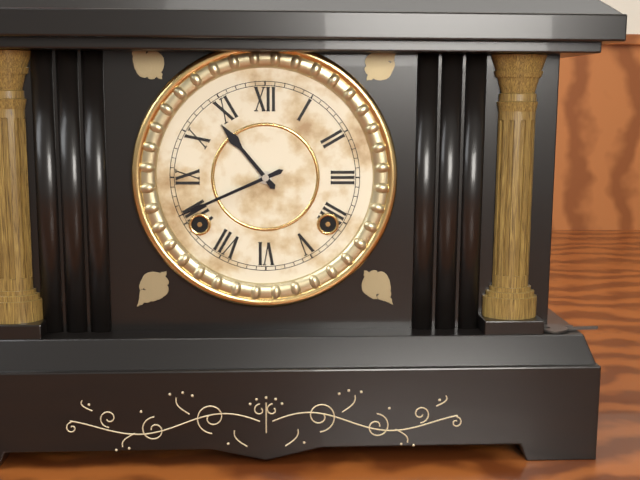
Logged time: 10 h 41 min
